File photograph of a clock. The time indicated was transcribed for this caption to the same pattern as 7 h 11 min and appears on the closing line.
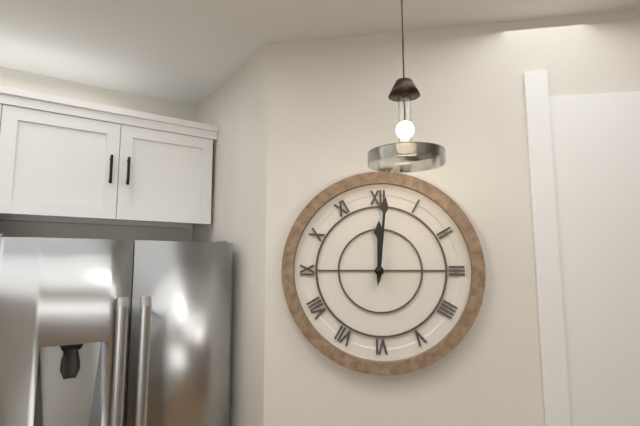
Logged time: 12 h 01 min
